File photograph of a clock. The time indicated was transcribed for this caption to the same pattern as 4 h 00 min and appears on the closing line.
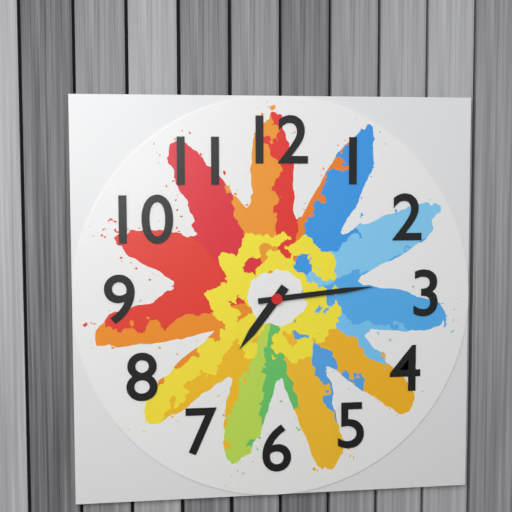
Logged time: 7 h 14 min
